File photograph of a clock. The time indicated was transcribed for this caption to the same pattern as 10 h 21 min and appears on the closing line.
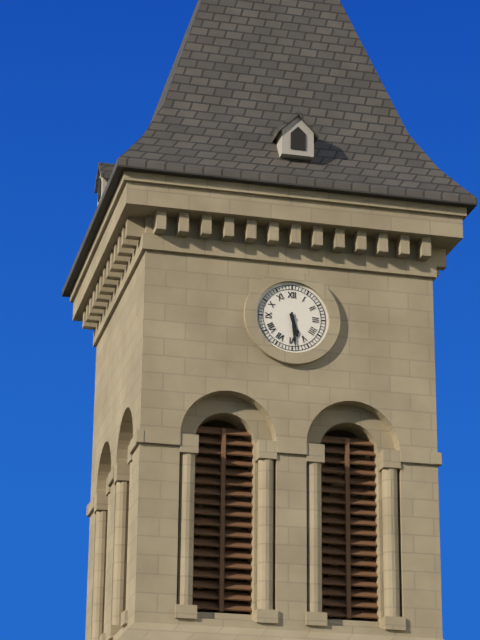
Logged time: 5 h 29 min
